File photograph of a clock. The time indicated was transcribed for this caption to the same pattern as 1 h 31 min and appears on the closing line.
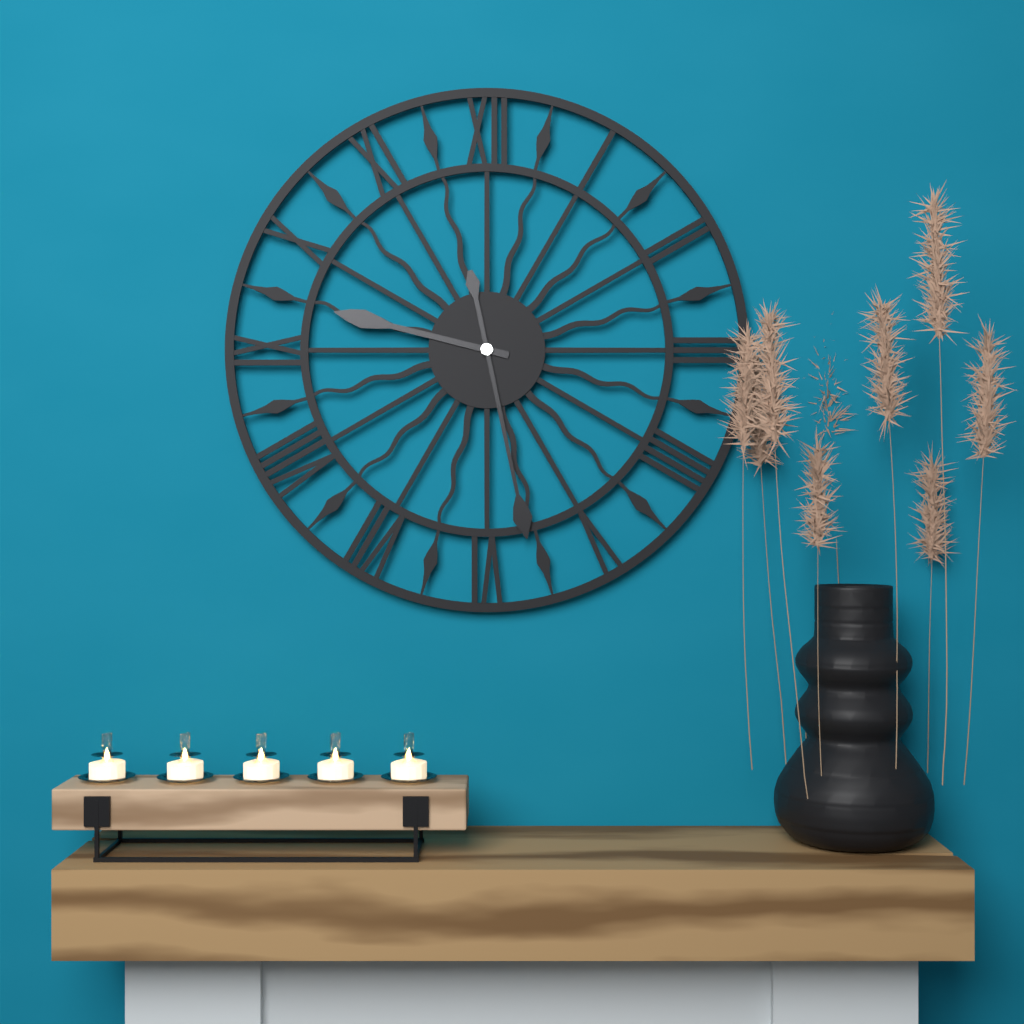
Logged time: 9 h 28 min
